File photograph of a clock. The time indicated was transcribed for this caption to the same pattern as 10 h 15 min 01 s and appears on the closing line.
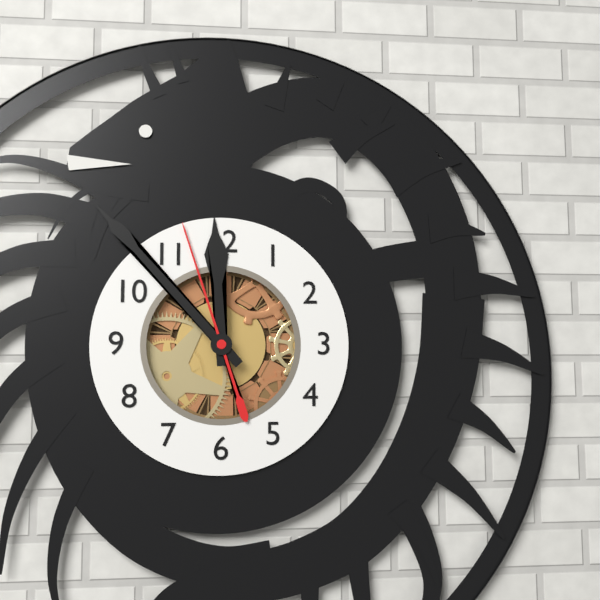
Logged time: 11 h 53 min 57 s
